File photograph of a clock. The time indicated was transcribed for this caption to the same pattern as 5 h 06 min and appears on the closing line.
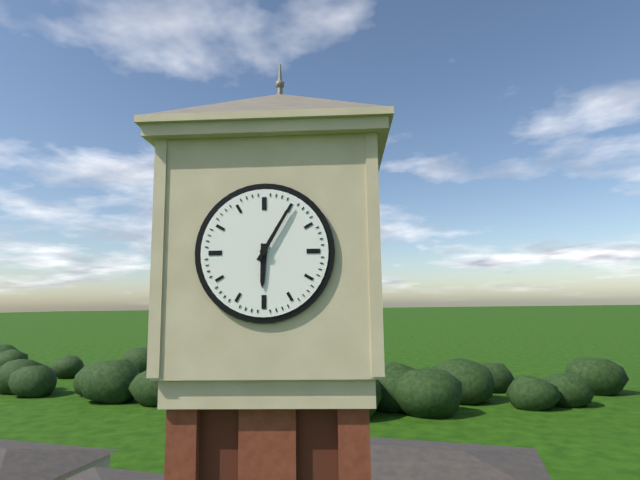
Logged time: 6 h 05 min
